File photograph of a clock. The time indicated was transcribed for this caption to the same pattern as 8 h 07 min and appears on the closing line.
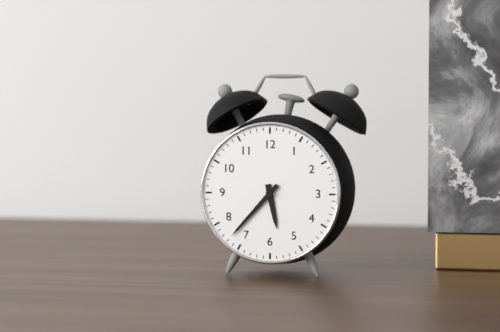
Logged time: 5 h 37 min
